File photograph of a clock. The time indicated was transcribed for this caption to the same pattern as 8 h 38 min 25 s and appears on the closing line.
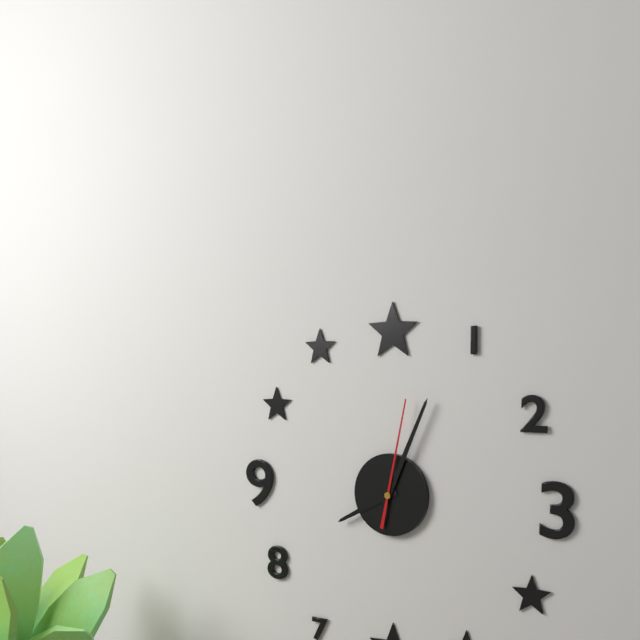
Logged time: 8 h 04 min 02 s
